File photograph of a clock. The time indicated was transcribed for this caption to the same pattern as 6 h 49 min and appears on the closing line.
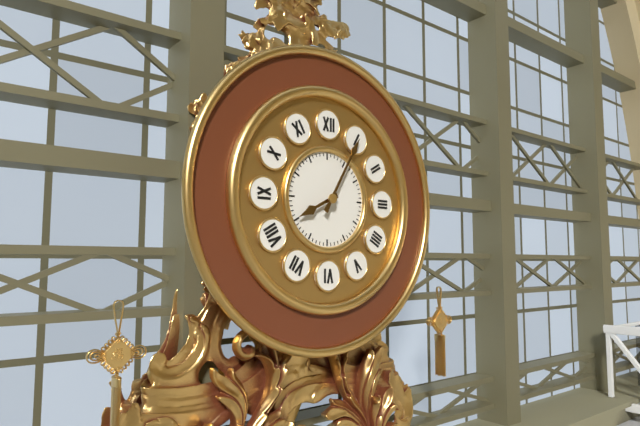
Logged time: 8 h 05 min
